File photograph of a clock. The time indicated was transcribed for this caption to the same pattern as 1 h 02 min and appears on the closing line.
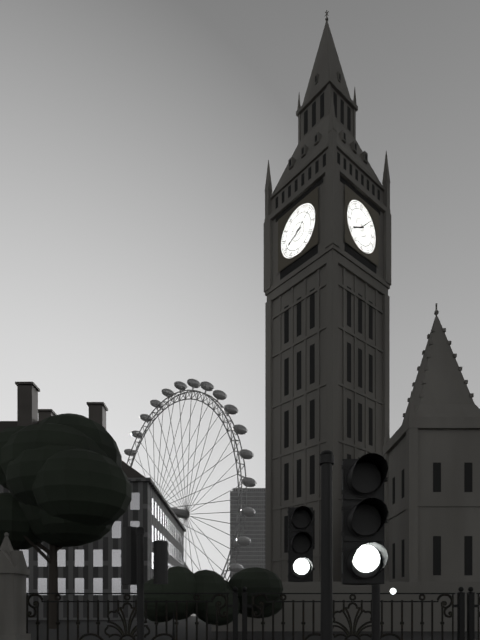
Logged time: 8 h 08 min
